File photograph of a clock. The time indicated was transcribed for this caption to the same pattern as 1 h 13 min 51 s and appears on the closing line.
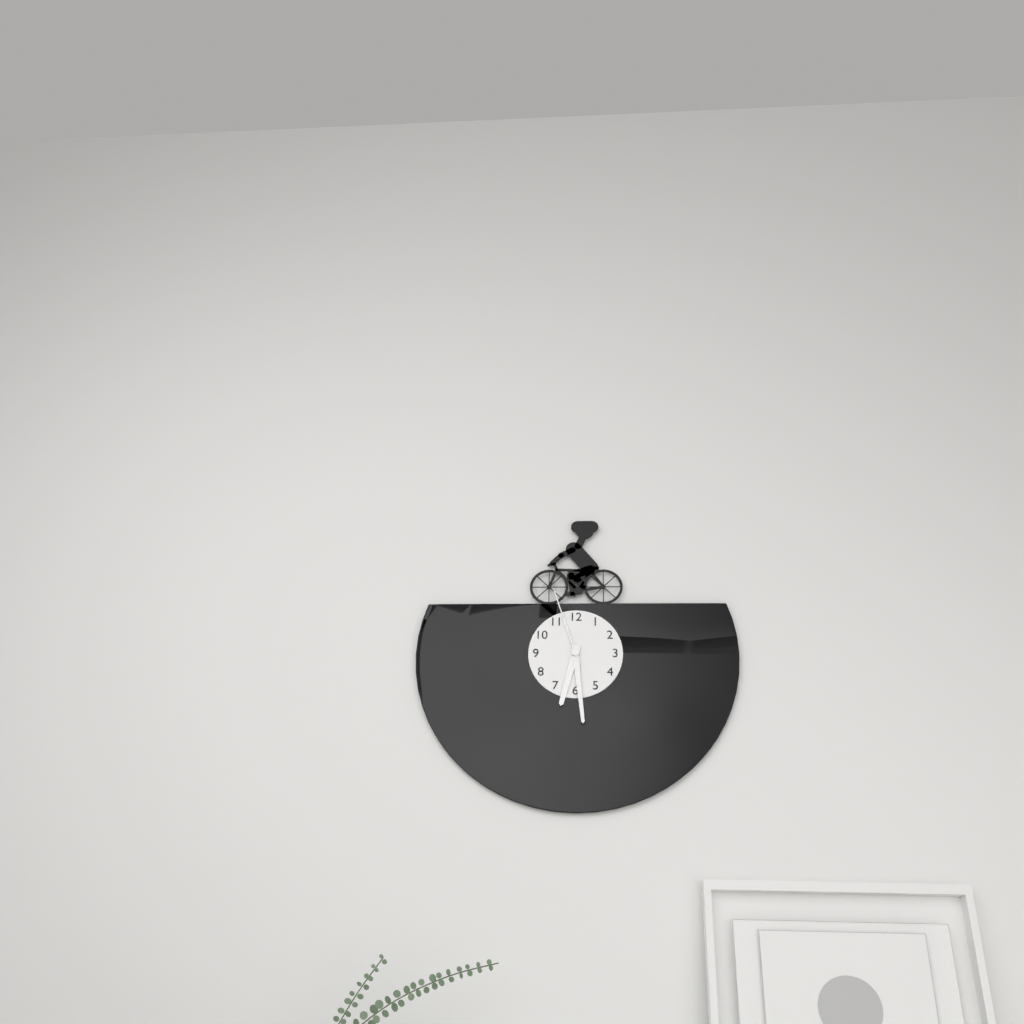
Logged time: 6 h 29 min 57 s
